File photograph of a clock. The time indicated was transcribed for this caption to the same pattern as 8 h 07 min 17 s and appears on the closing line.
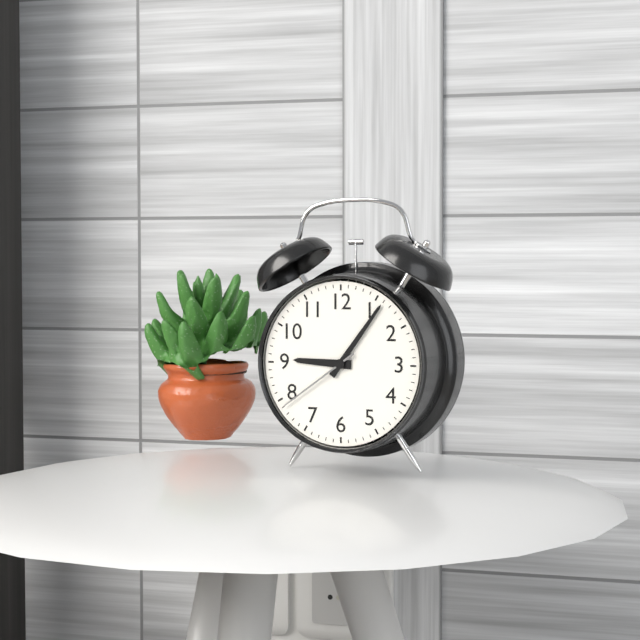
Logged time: 9 h 06 min 39 s
